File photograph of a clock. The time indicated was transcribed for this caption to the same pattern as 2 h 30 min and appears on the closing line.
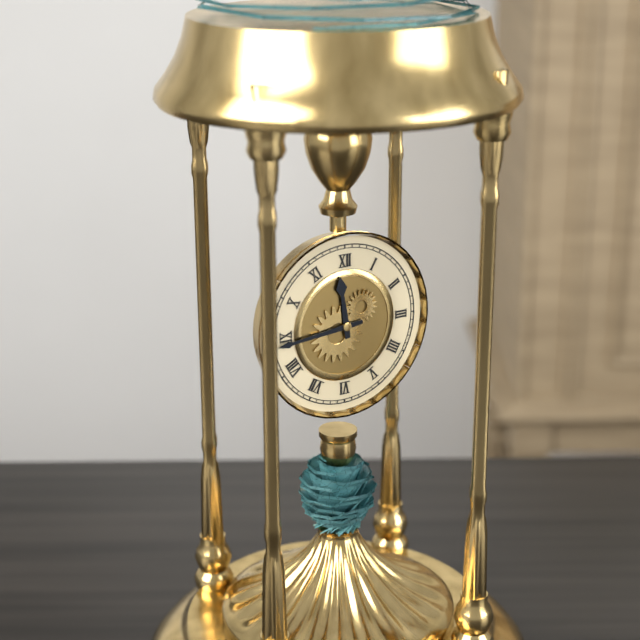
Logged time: 11 h 44 min
